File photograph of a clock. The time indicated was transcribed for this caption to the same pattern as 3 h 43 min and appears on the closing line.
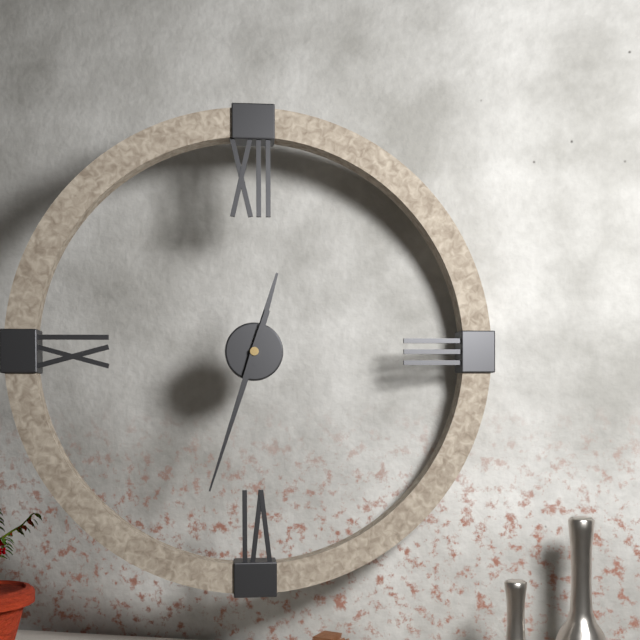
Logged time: 12 h 33 min
